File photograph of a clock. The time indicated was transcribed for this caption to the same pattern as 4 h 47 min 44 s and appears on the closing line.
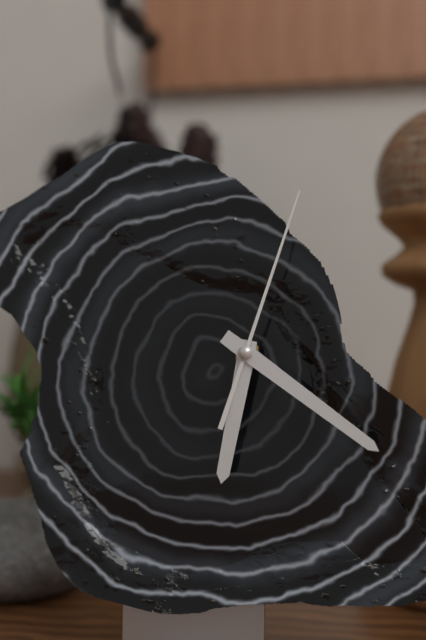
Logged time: 6 h 21 min 03 s
